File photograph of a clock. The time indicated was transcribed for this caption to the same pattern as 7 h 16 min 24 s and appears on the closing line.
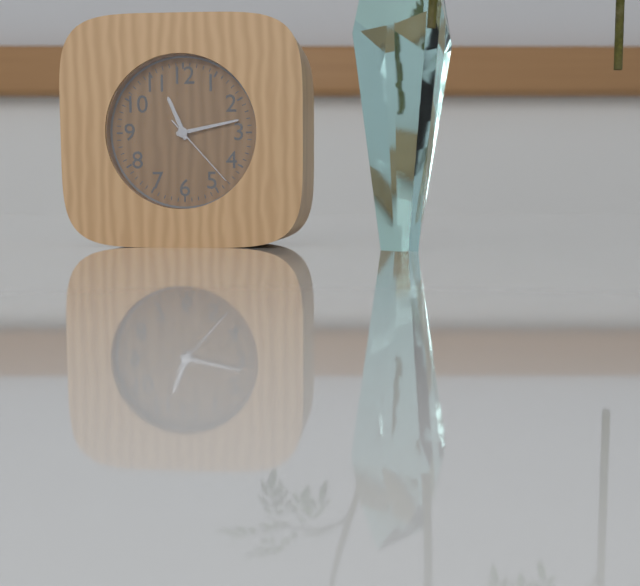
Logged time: 11 h 13 min 23 s
